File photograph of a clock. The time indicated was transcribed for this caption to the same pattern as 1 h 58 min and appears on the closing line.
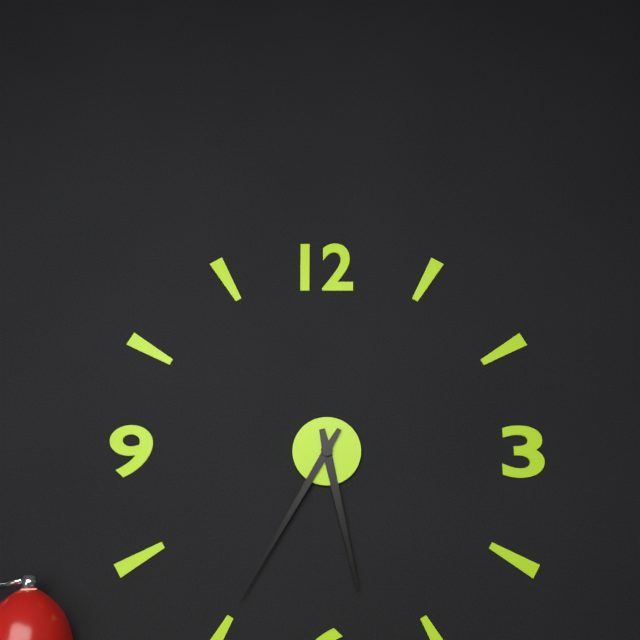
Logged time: 5 h 35 min
